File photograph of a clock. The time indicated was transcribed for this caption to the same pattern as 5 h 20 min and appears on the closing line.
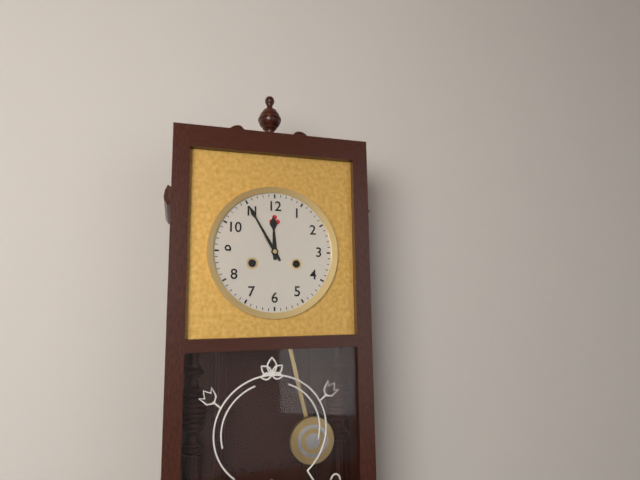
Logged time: 11 h 55 min
